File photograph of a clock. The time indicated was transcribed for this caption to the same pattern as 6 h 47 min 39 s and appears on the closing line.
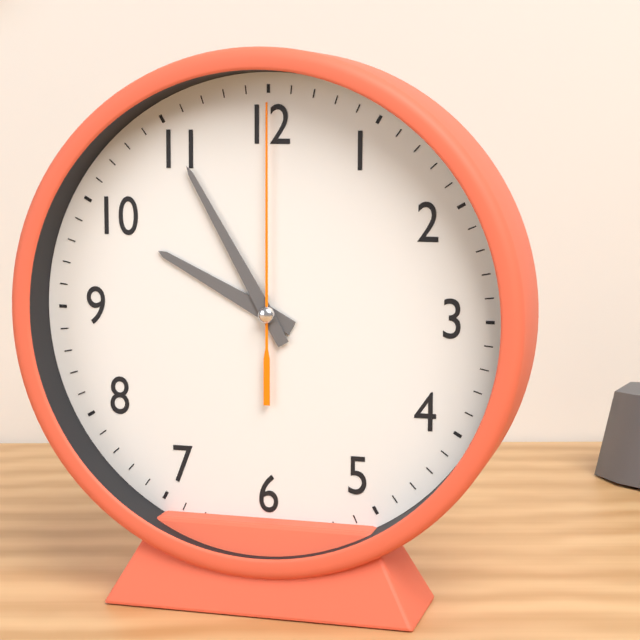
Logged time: 9 h 55 min 00 s
